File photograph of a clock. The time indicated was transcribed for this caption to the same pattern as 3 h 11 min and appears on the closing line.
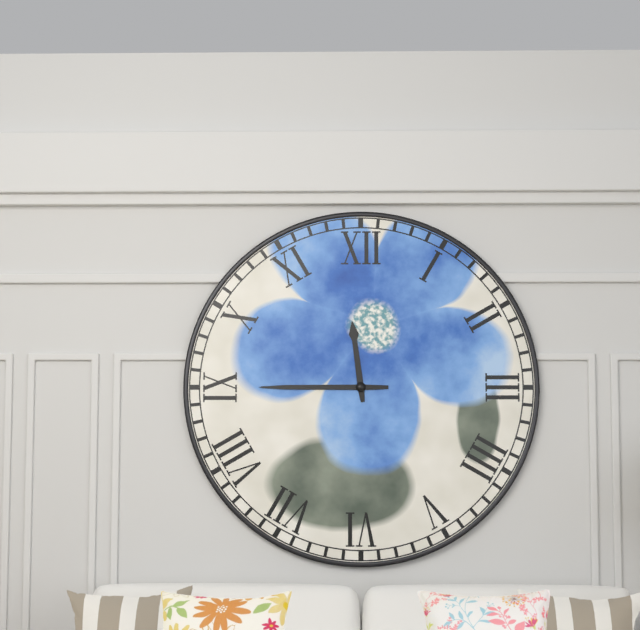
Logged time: 11 h 45 min
